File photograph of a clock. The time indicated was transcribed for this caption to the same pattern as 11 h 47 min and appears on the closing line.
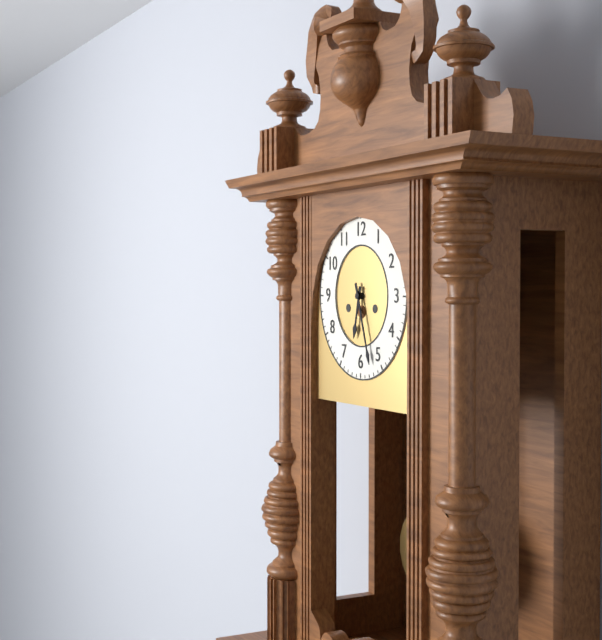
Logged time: 6 h 27 min
